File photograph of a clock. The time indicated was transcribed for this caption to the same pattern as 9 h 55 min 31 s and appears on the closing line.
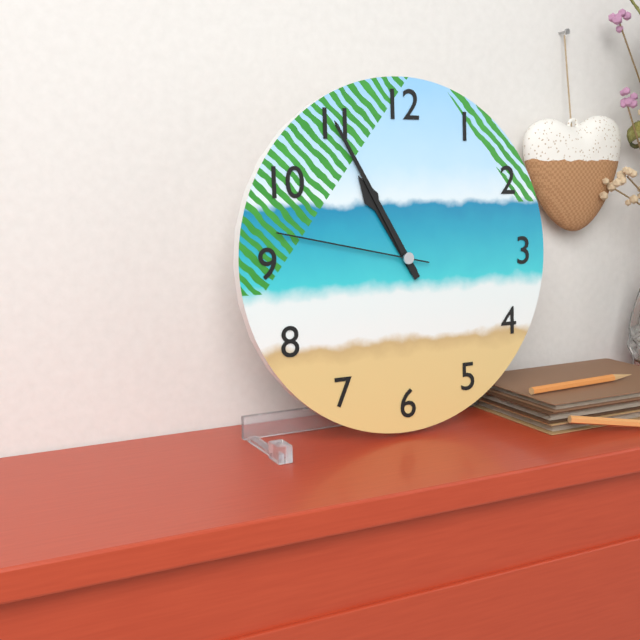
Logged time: 10 h 55 min 47 s
